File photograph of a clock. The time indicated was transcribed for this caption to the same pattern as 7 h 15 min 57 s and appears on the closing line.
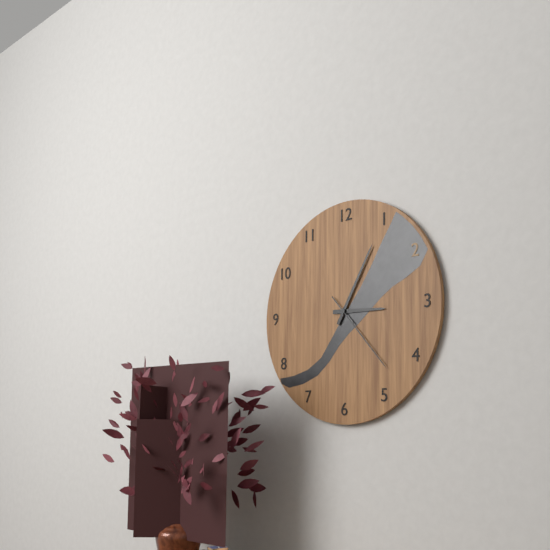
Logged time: 3 h 05 min 23 s
